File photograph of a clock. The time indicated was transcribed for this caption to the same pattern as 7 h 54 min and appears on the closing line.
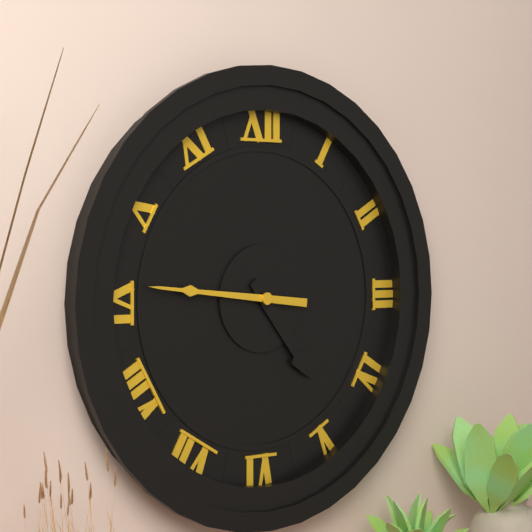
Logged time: 4 h 46 min
